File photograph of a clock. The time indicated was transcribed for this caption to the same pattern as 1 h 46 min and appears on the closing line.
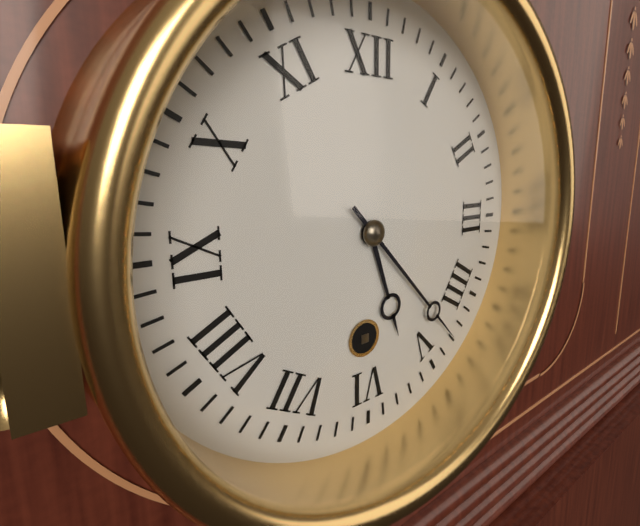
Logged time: 5 h 23 min
